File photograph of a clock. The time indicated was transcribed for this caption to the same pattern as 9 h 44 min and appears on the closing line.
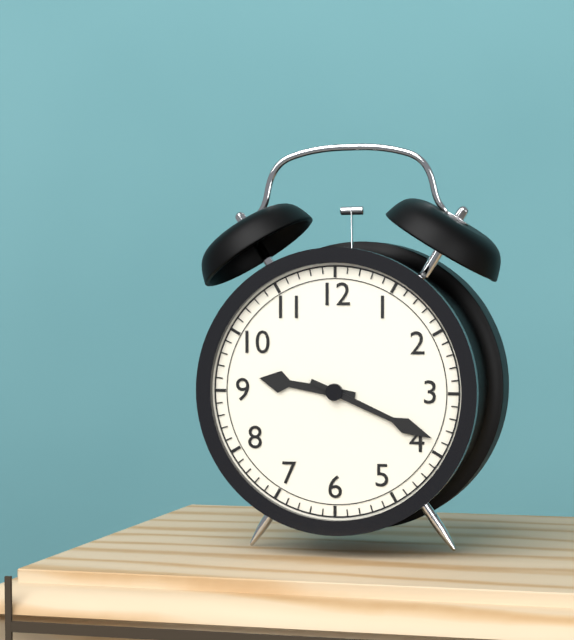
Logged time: 9 h 19 min
